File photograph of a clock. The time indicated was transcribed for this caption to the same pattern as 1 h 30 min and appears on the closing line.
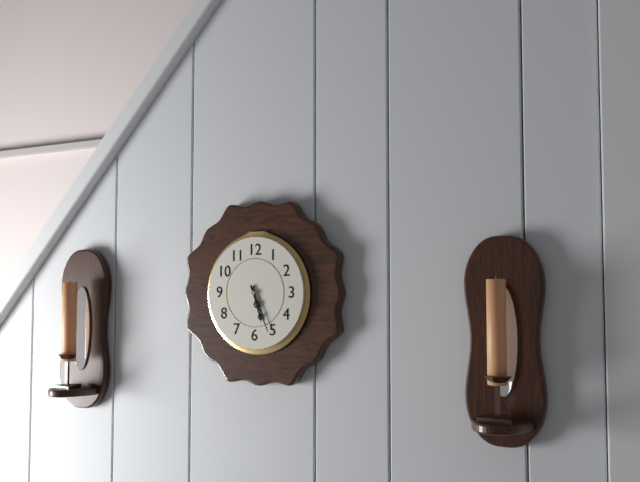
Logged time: 5 h 26 min
